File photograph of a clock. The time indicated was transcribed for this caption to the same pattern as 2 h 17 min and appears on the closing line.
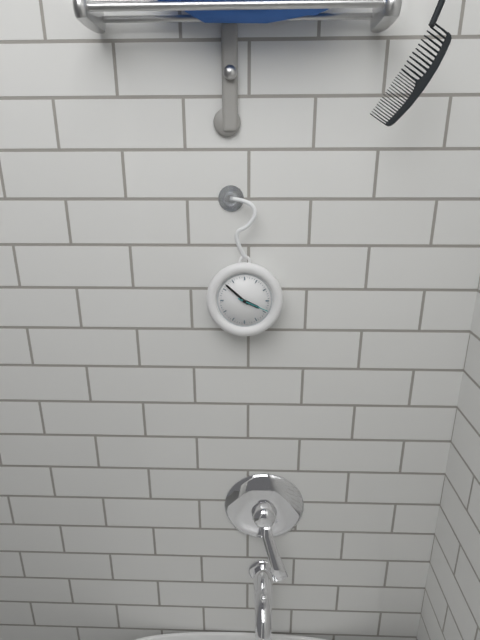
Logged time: 3 h 52 min
